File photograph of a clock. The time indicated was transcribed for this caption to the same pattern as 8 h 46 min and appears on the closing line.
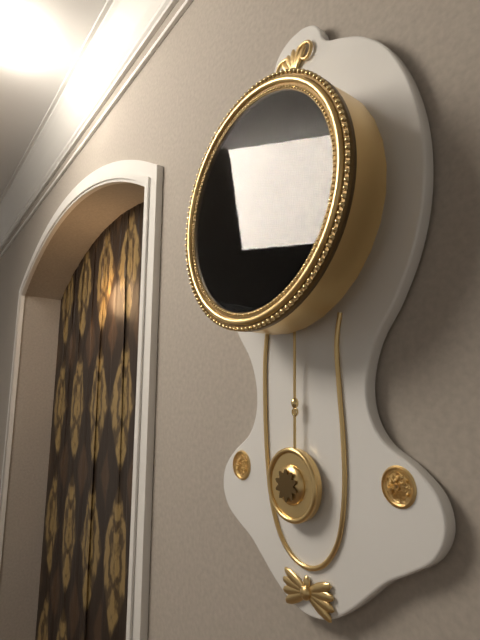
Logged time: 9 h 29 min
